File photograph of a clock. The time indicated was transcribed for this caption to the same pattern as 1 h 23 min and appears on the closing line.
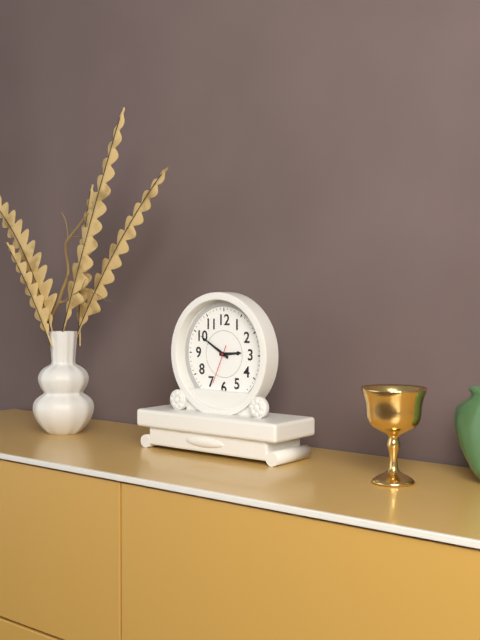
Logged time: 2 h 50 min
